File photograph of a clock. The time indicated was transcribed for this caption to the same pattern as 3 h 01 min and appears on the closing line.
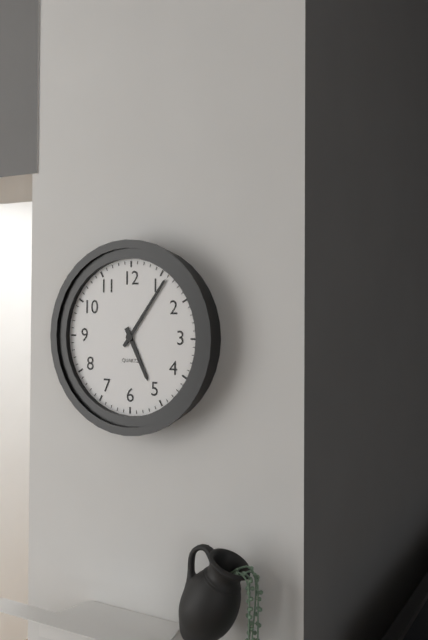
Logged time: 5 h 06 min
